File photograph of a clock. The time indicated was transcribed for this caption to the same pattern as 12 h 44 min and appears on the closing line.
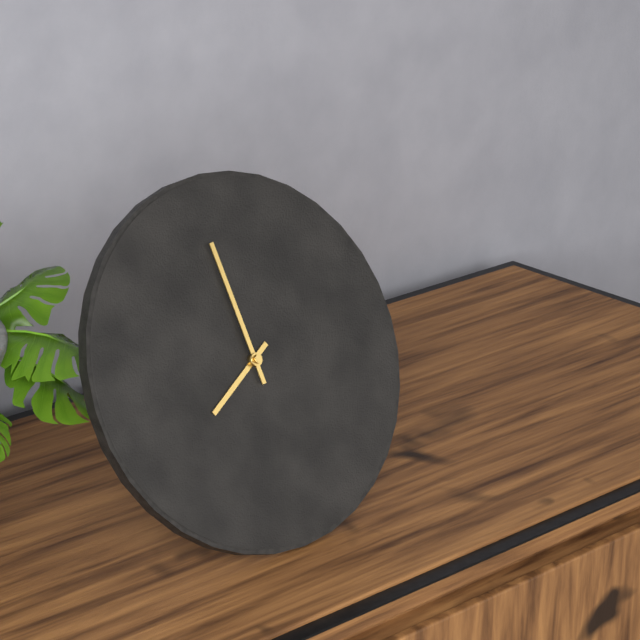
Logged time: 7 h 59 min
